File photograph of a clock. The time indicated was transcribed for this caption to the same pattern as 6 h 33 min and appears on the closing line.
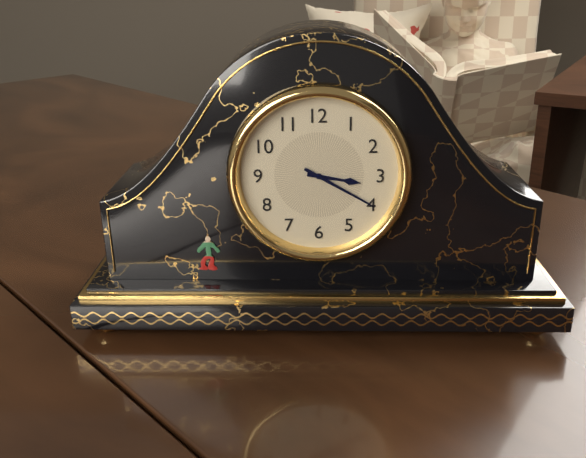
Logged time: 3 h 20 min
